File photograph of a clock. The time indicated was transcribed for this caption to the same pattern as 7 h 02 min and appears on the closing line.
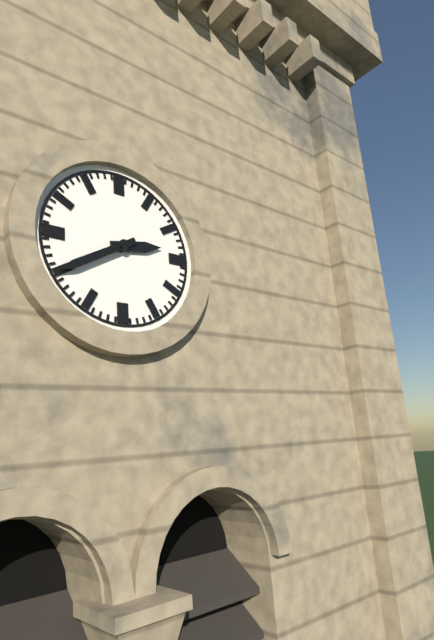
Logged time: 2 h 40 min
